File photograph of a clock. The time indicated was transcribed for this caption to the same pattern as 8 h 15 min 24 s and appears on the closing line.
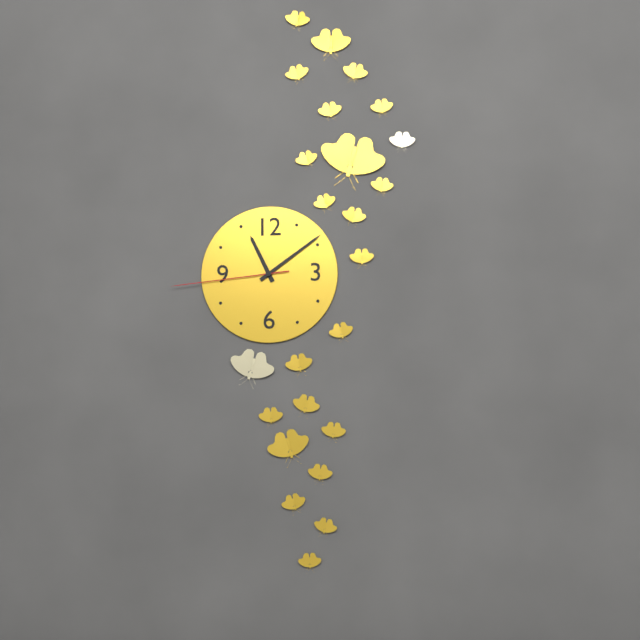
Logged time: 11 h 09 min 44 s
